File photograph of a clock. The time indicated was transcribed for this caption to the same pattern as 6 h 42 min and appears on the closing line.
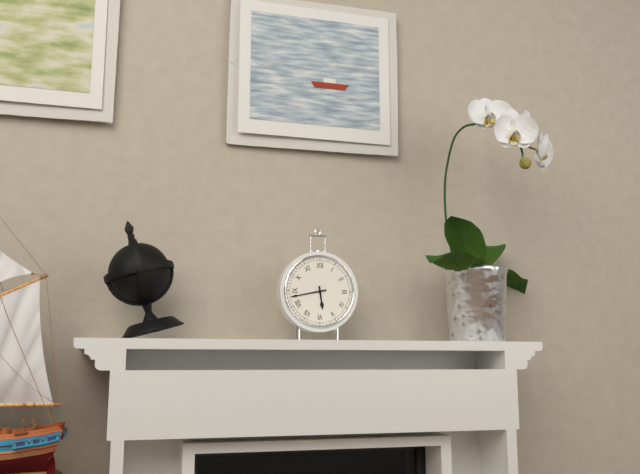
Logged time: 5 h 43 min
